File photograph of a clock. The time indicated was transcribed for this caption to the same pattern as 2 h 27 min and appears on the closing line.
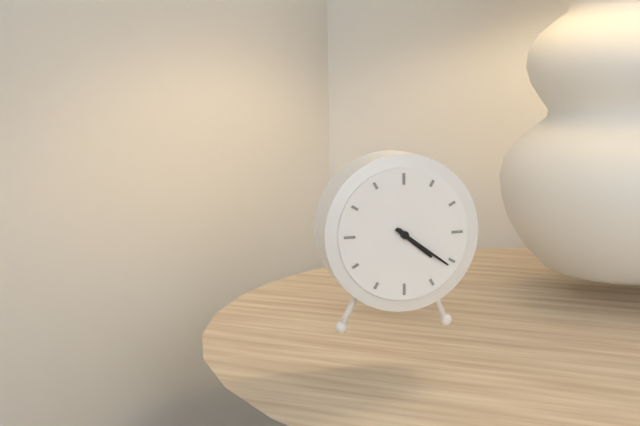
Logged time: 4 h 21 min
